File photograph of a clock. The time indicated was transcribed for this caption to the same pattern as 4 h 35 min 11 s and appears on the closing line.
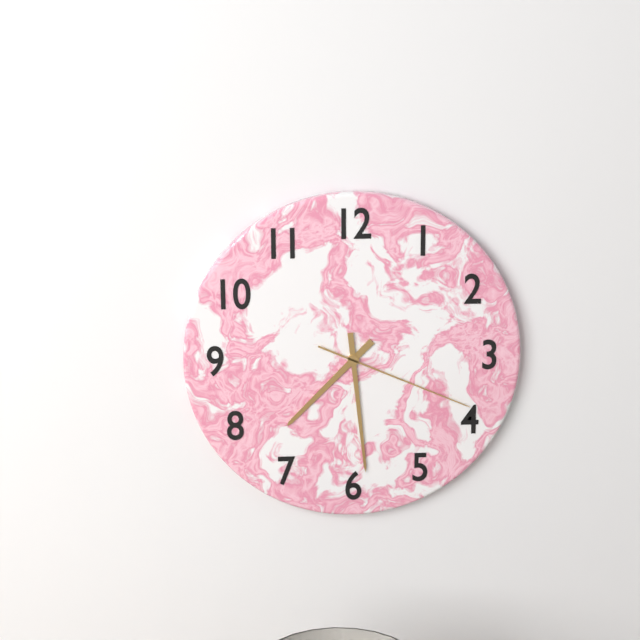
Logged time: 7 h 29 min 19 s
